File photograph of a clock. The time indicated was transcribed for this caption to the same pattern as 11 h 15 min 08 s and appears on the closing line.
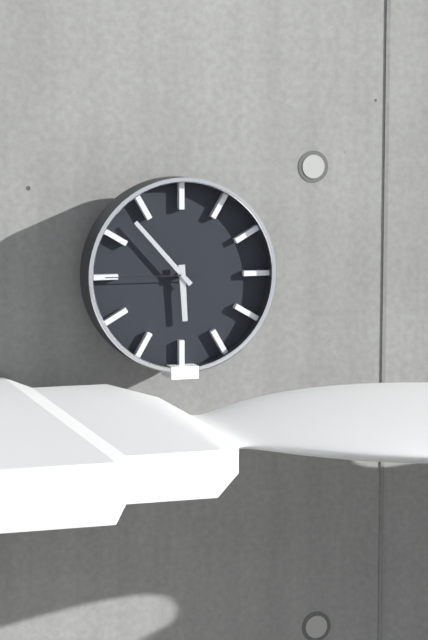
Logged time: 5 h 53 min 45 s
